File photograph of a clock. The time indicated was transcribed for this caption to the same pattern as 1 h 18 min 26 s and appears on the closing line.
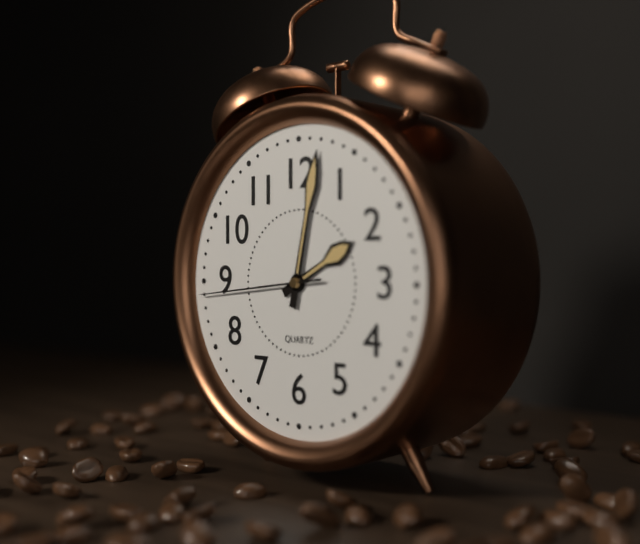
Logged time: 2 h 02 min 44 s
